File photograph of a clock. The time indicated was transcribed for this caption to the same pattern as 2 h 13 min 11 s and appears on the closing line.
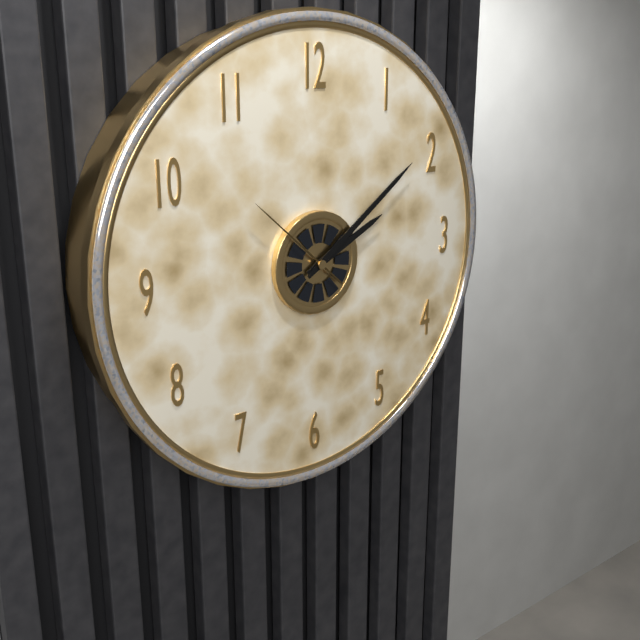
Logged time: 2 h 09 min 52 s
